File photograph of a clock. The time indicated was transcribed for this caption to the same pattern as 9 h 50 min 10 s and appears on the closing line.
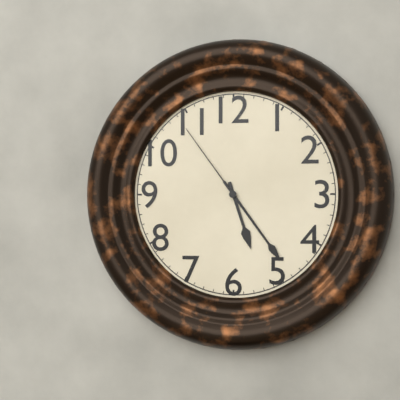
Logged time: 5 h 24 min 54 s
